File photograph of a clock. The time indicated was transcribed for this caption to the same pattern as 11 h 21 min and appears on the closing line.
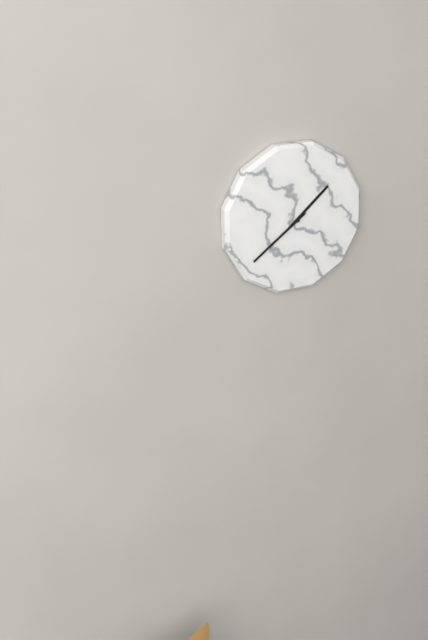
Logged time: 1 h 39 min
